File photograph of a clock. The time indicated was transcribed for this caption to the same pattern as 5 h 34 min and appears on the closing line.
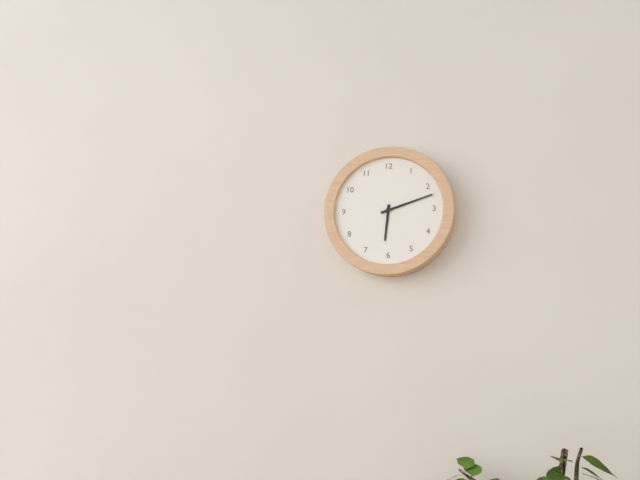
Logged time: 6 h 12 min
